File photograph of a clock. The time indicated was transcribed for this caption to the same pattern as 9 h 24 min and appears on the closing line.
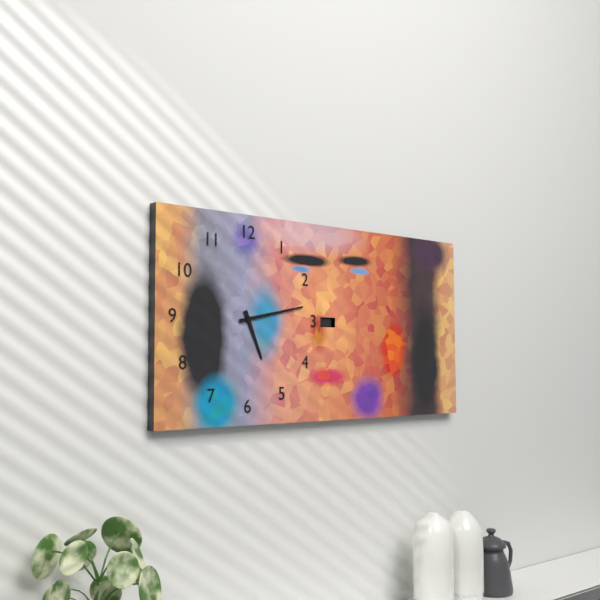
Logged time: 5 h 13 min
